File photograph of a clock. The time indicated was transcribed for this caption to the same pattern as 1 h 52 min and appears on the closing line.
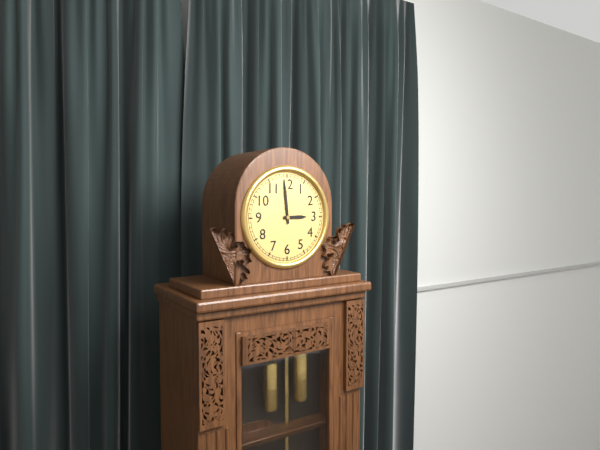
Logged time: 2 h 59 min
